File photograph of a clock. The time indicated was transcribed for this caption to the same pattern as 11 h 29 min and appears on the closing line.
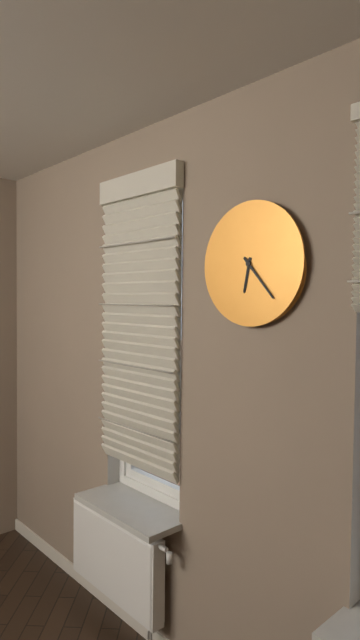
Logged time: 6 h 23 min
